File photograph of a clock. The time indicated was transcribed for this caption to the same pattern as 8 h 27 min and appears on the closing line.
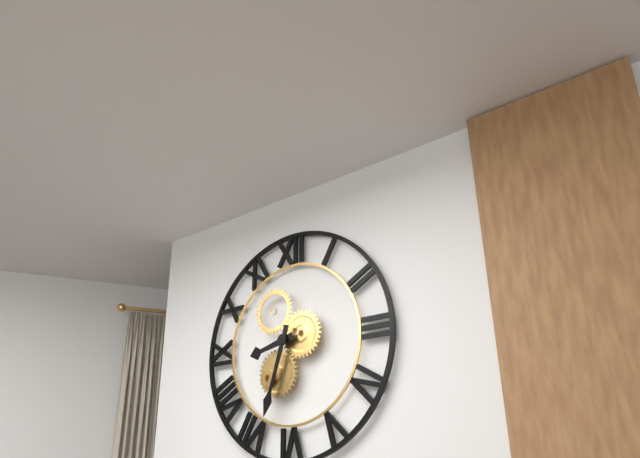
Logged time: 8 h 33 min
